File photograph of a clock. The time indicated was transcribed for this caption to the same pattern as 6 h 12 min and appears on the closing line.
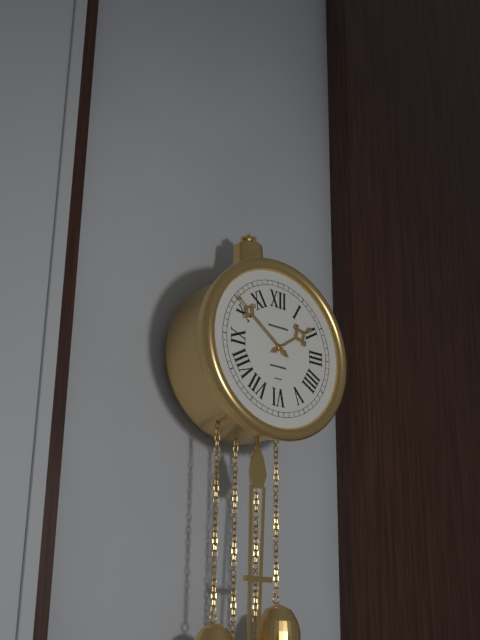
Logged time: 1 h 51 min
